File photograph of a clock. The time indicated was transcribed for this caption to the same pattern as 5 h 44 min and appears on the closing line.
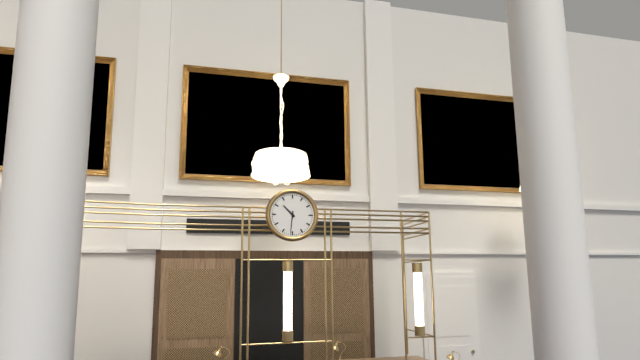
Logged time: 10 h 31 min
